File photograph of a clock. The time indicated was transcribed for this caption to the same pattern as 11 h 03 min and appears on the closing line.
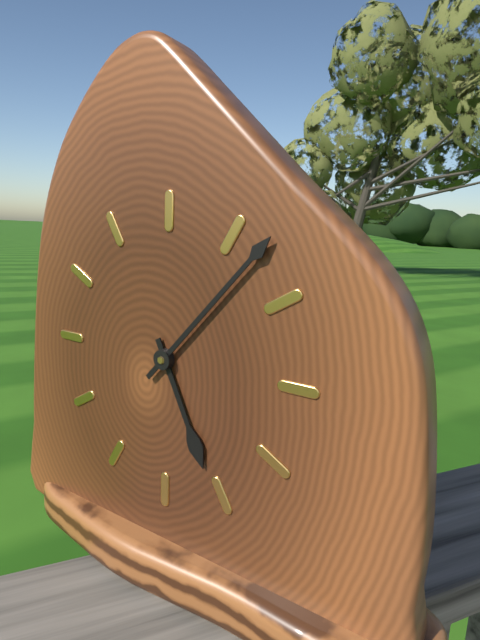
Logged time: 5 h 07 min
